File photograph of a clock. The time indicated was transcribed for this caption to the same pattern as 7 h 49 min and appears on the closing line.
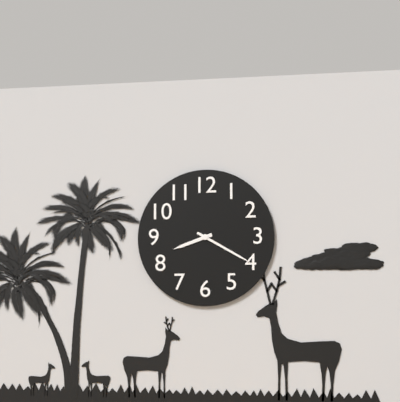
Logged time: 8 h 20 min
